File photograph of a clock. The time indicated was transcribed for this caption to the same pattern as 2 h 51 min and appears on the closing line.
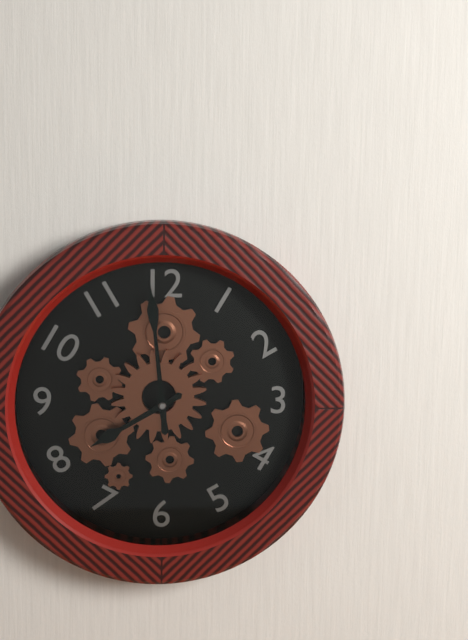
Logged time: 7 h 59 min
